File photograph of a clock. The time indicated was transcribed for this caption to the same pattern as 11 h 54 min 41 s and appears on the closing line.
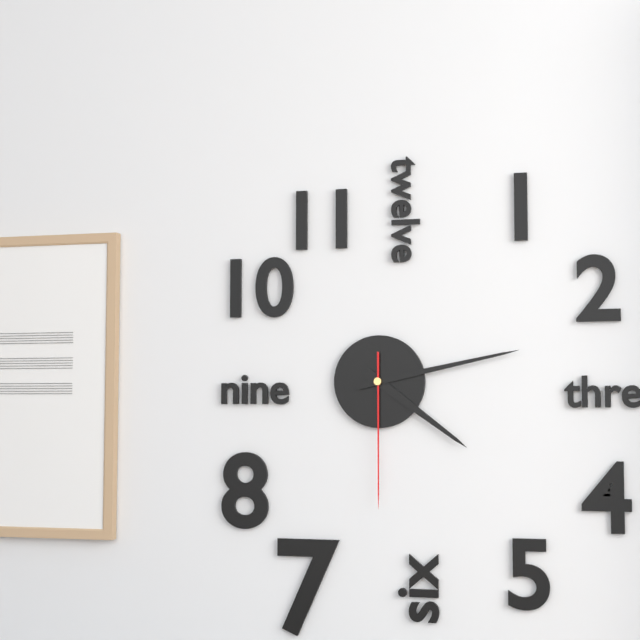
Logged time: 4 h 13 min 30 s
